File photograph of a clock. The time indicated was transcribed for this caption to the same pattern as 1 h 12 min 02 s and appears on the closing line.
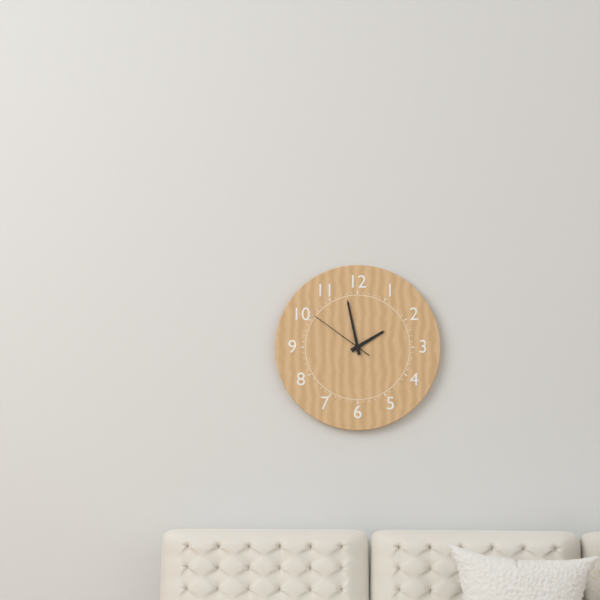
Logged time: 1 h 58 min 51 s
